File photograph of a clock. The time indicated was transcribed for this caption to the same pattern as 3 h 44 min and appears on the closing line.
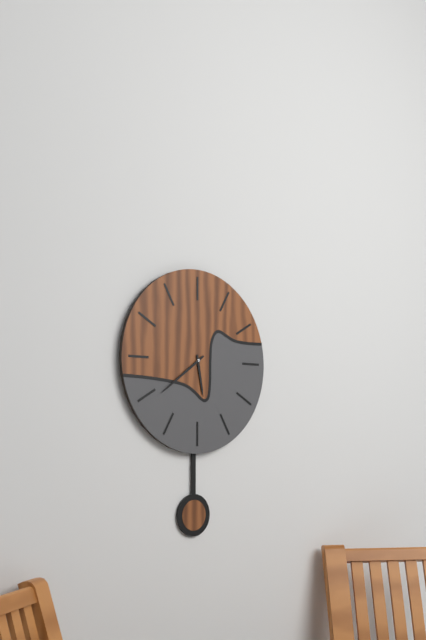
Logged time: 5 h 39 min
